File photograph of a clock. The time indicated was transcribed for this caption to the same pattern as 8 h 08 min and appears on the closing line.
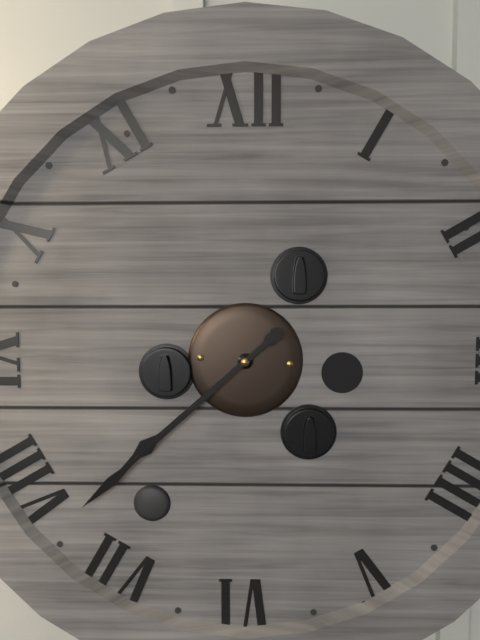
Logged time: 7 h 38 min
